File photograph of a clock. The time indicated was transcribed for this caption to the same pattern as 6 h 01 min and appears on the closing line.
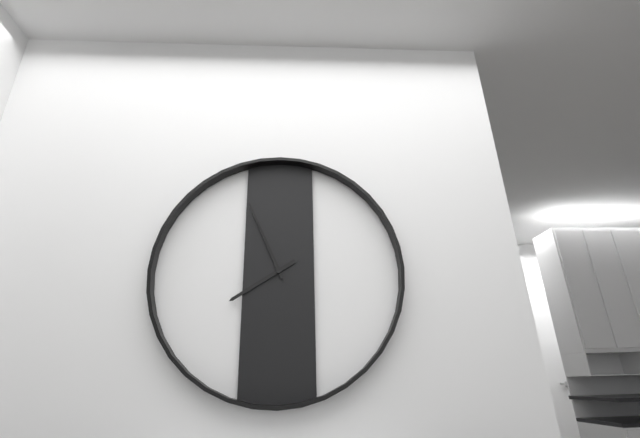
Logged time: 7 h 56 min
